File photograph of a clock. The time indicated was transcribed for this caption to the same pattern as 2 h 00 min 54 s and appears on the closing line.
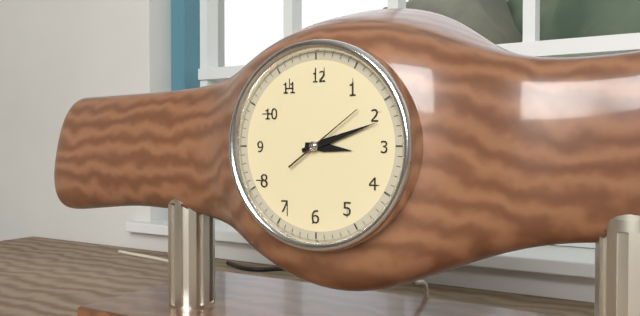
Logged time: 3 h 12 min 09 s
